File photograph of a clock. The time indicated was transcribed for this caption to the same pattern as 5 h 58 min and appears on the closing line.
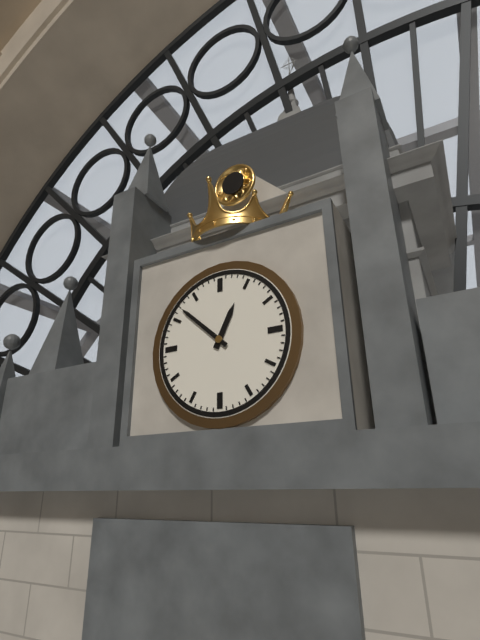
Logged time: 12 h 52 min
